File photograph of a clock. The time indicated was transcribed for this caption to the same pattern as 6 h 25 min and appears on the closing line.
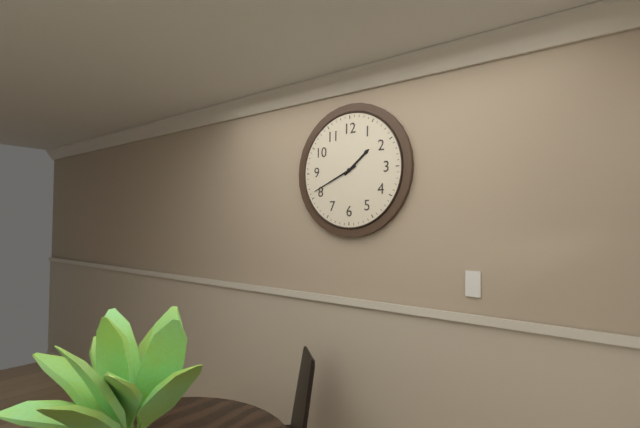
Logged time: 1 h 41 min
